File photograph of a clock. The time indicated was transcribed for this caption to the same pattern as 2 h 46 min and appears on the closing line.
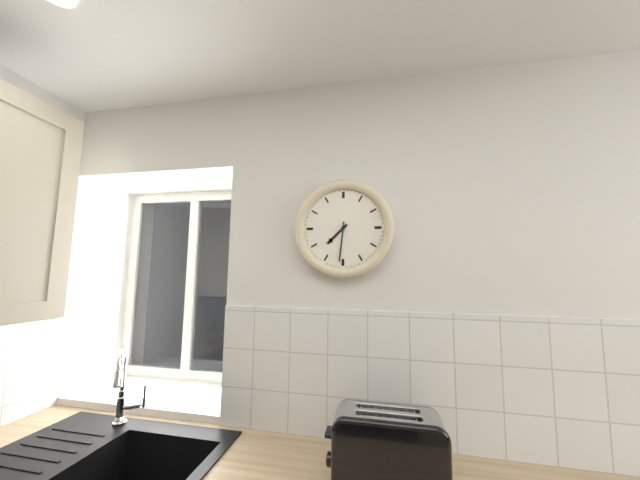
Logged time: 7 h 31 min
